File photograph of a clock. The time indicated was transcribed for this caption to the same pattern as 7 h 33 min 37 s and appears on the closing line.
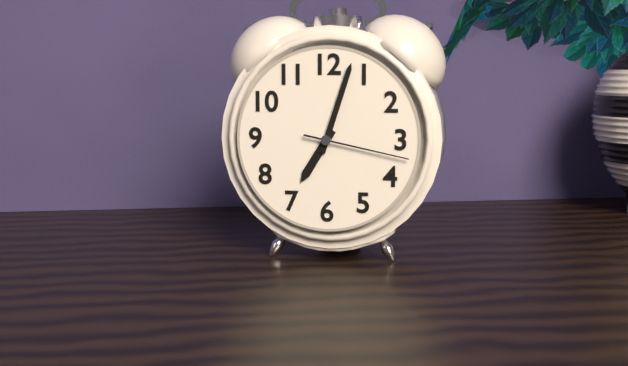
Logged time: 7 h 03 min 17 s
